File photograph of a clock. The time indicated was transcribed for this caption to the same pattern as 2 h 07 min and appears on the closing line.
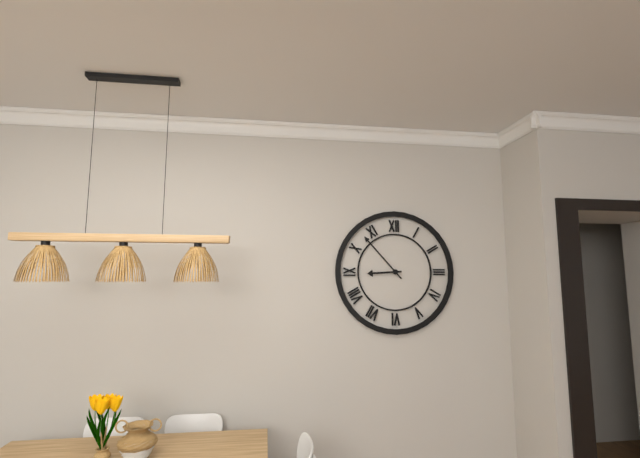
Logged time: 8 h 53 min
